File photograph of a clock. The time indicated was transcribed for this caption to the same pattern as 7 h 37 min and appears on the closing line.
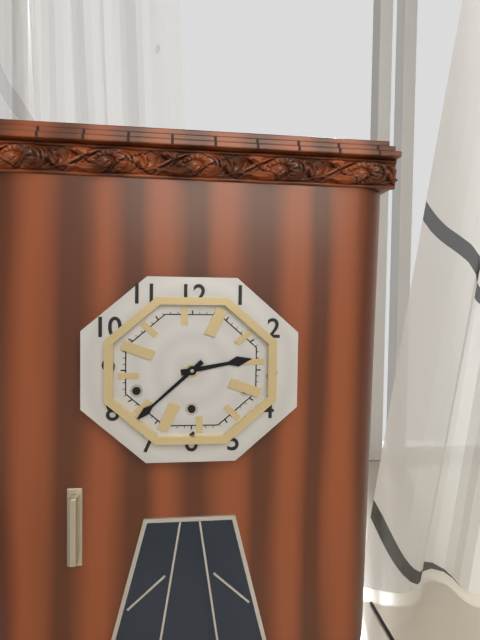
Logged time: 2 h 38 min
